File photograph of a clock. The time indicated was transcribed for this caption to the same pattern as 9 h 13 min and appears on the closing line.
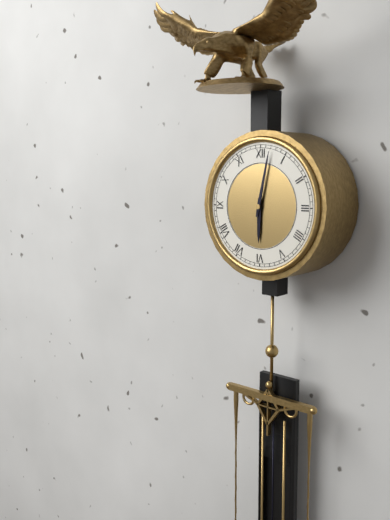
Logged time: 6 h 02 min
